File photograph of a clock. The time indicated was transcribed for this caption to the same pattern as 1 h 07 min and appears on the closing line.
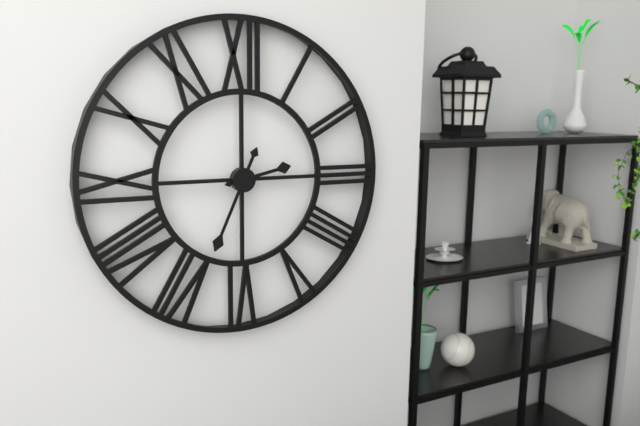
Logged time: 2 h 34 min
